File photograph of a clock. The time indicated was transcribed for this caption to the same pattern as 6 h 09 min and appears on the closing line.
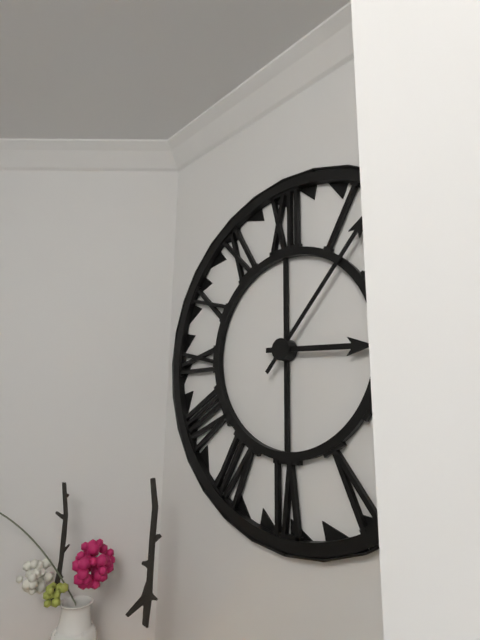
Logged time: 3 h 07 min
